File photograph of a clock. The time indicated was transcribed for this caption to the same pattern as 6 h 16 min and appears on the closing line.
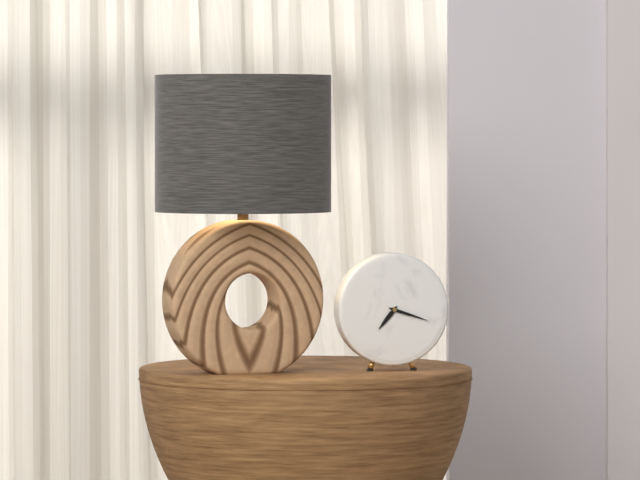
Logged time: 7 h 18 min
